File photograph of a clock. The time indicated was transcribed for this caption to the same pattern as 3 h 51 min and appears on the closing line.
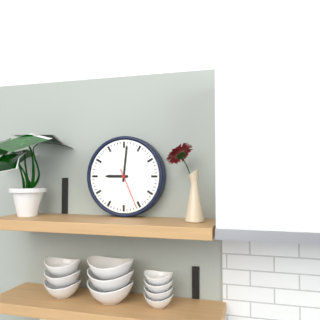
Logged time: 9 h 01 min
